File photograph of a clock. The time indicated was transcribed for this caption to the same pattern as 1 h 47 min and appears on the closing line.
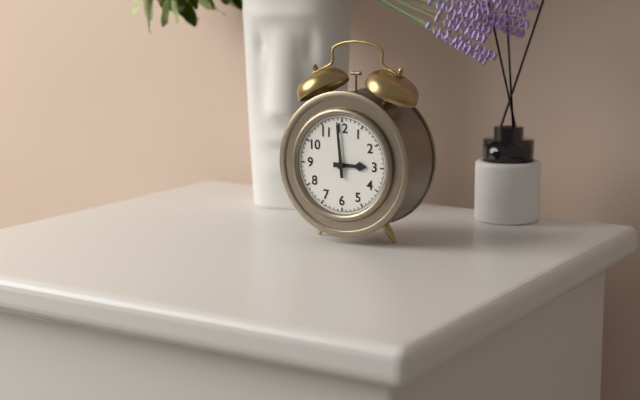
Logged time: 2 h 59 min
